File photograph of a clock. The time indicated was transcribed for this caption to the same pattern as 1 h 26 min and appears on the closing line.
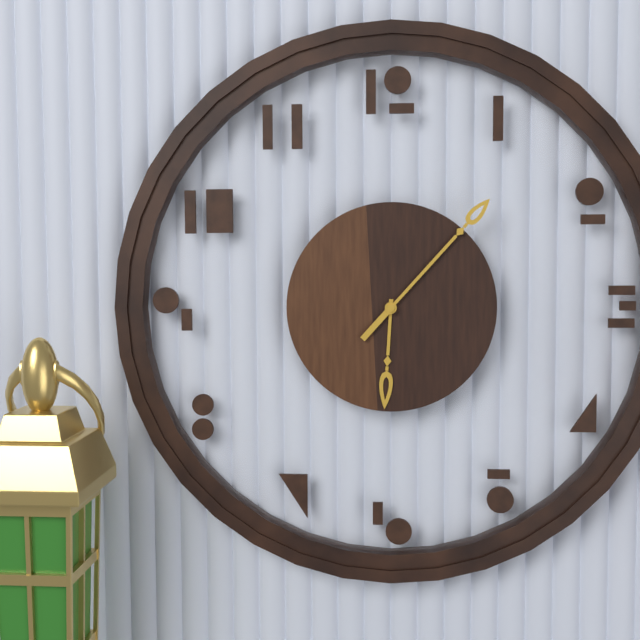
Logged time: 6 h 07 min
